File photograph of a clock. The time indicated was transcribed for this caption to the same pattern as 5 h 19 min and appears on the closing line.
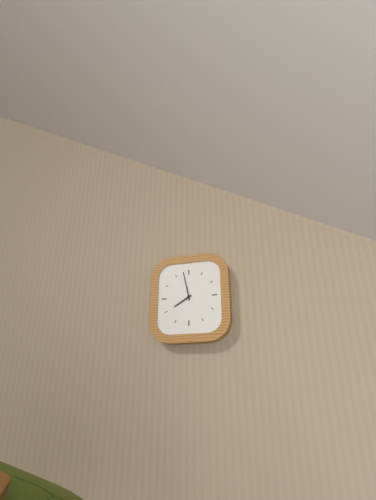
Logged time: 7 h 58 min
